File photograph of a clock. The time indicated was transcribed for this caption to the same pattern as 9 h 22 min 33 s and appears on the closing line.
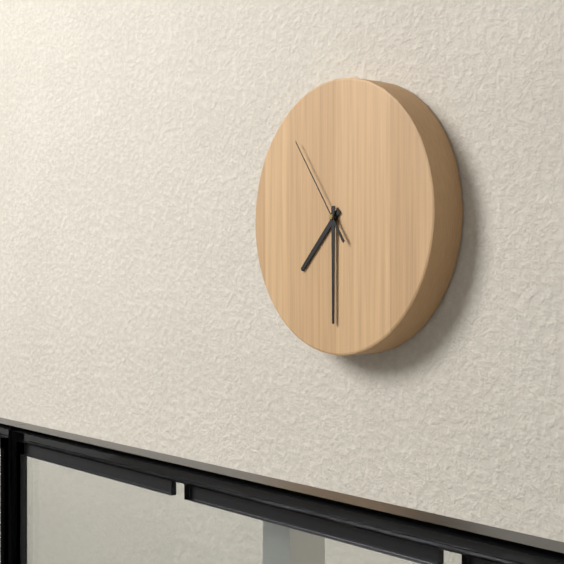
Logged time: 7 h 30 min 54 s
